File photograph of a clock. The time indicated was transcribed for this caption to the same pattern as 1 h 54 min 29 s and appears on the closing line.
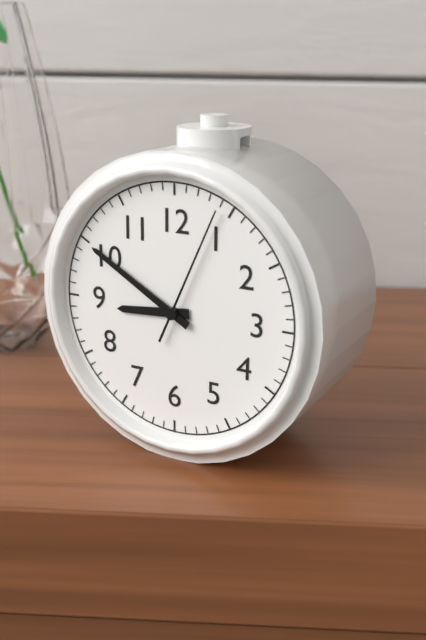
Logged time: 8 h 50 min 04 s
